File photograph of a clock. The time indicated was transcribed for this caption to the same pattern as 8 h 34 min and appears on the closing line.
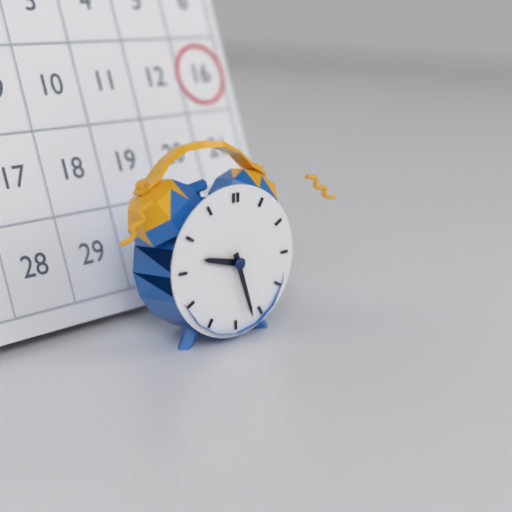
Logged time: 9 h 27 min
